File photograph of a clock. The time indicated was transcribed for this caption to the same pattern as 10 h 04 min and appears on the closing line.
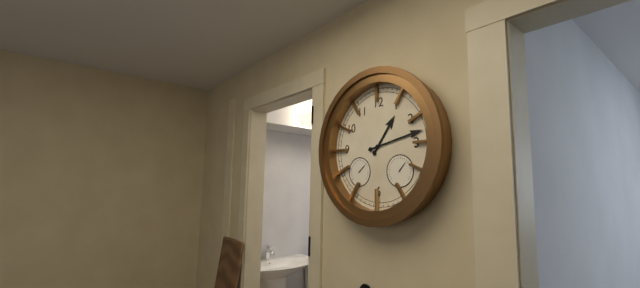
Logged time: 1 h 13 min
